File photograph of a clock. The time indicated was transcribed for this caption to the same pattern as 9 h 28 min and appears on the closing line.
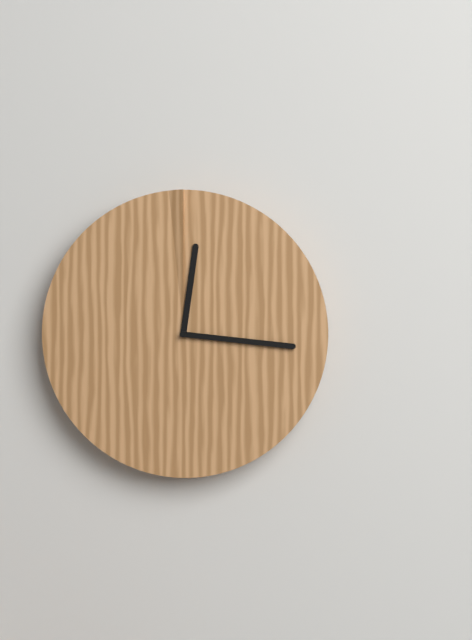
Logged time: 12 h 16 min
